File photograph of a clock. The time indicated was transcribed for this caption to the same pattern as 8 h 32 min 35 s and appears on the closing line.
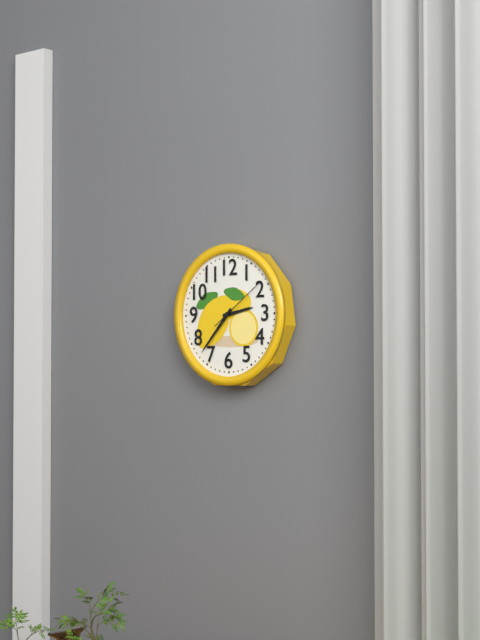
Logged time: 2 h 37 min 09 s
